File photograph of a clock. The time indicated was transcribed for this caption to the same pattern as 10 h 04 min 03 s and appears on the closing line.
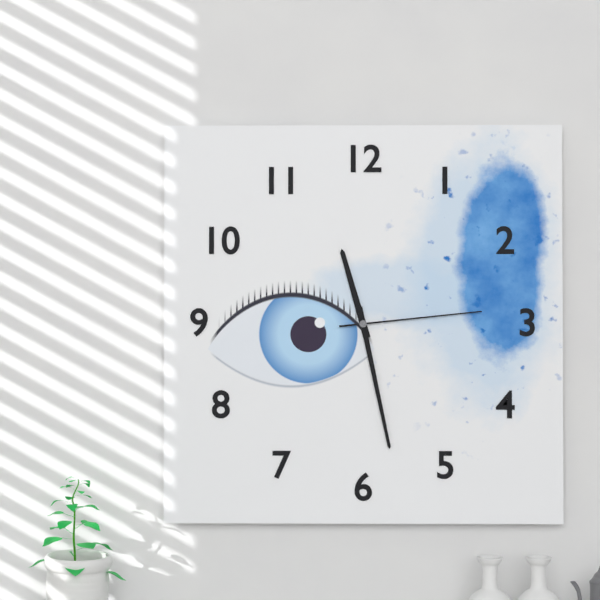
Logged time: 11 h 28 min 14 s
